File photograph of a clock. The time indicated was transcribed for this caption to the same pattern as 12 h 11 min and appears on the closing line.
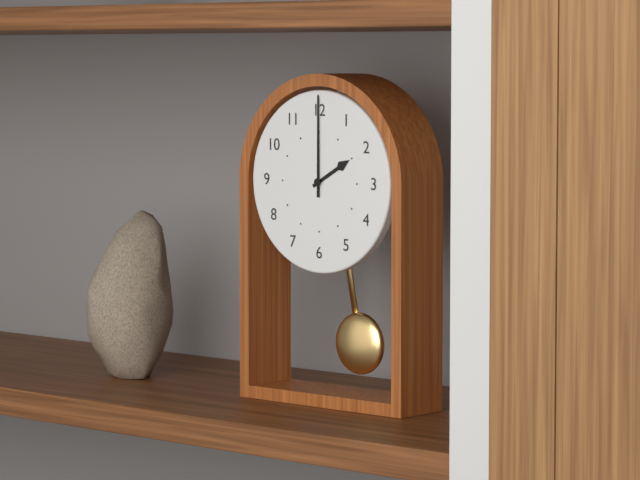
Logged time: 2 h 00 min
